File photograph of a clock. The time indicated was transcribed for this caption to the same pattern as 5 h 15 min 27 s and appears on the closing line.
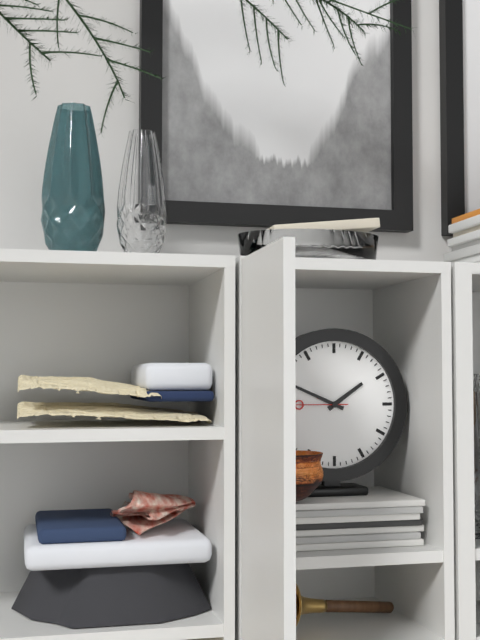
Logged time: 1 h 49 min 45 s
